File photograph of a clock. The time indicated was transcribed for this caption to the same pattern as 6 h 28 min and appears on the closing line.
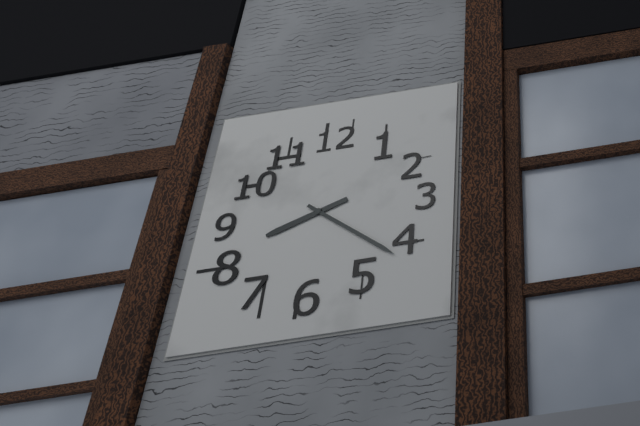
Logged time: 8 h 21 min
